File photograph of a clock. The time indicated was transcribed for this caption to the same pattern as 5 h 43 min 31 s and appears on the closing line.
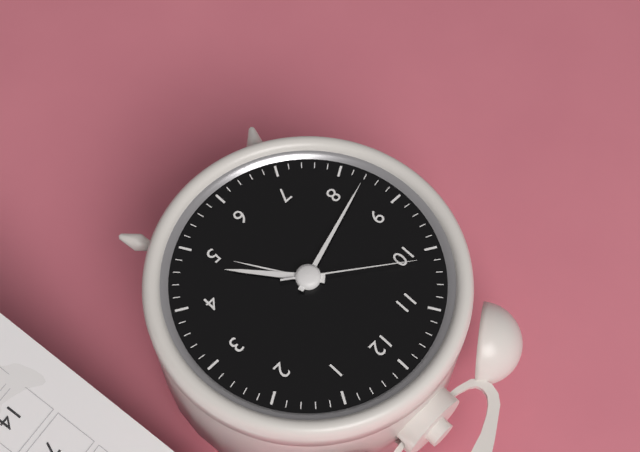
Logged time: 4 h 42 min 51 s
